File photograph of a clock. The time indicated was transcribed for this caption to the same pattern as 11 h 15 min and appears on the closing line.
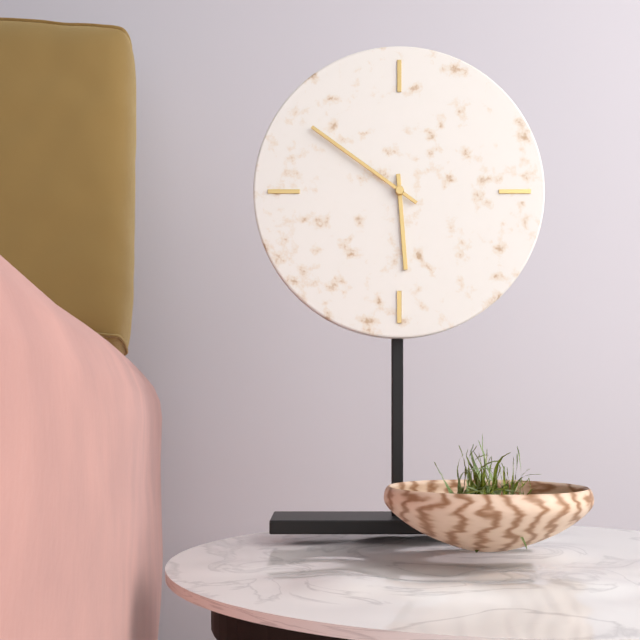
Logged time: 5 h 51 min
